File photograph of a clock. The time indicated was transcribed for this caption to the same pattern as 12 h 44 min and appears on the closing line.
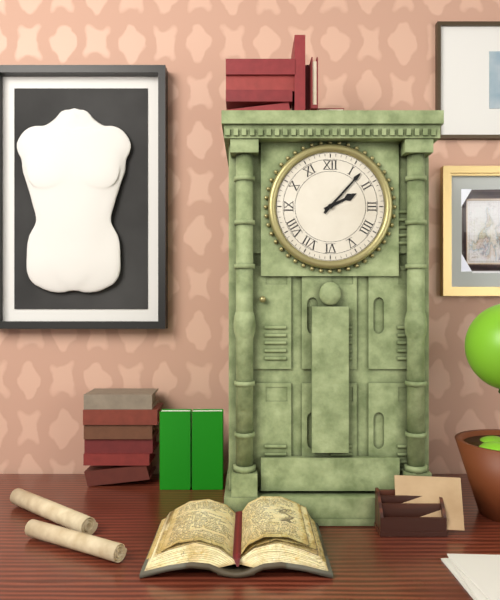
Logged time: 2 h 07 min
